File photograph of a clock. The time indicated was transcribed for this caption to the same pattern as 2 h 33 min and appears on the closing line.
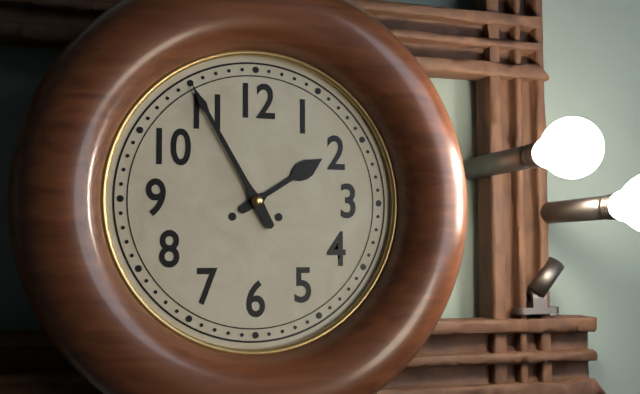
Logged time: 1 h 55 min
